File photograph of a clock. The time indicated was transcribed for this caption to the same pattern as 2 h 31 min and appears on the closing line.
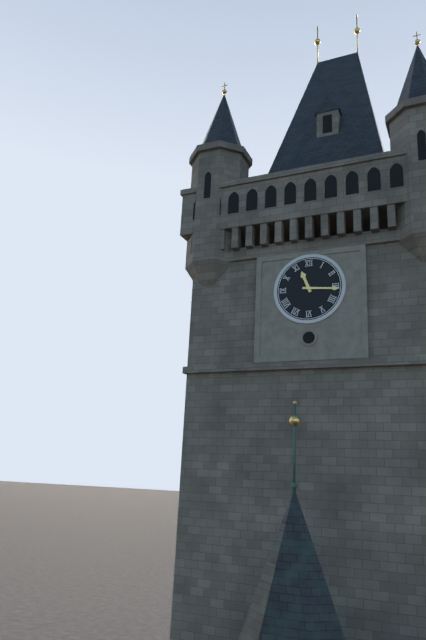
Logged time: 11 h 16 min
